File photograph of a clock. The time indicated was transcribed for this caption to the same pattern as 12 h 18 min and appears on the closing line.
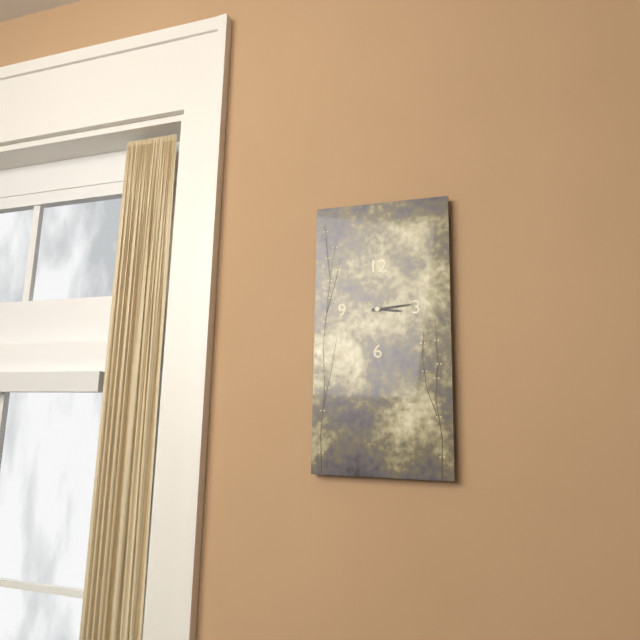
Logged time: 3 h 14 min
